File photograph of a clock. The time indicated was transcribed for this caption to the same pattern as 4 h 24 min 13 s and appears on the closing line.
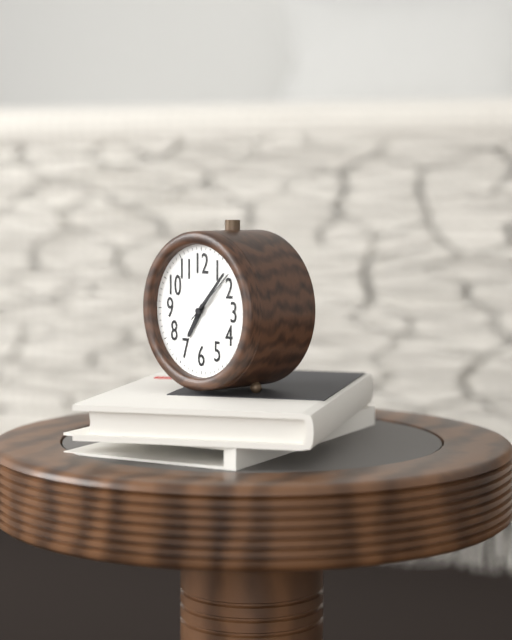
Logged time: 7 h 07 min 08 s
